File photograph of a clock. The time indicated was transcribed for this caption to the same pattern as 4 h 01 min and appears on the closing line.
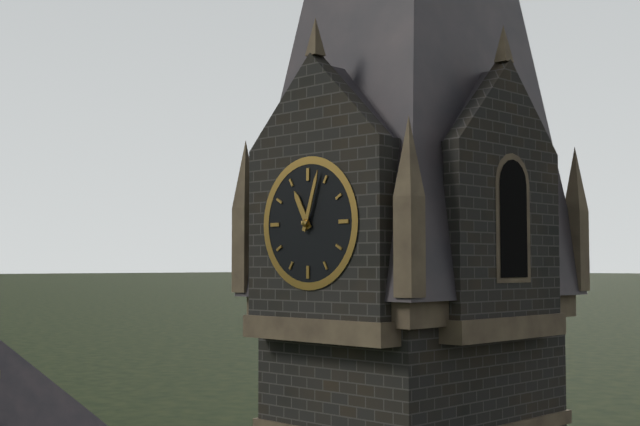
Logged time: 11 h 03 min
